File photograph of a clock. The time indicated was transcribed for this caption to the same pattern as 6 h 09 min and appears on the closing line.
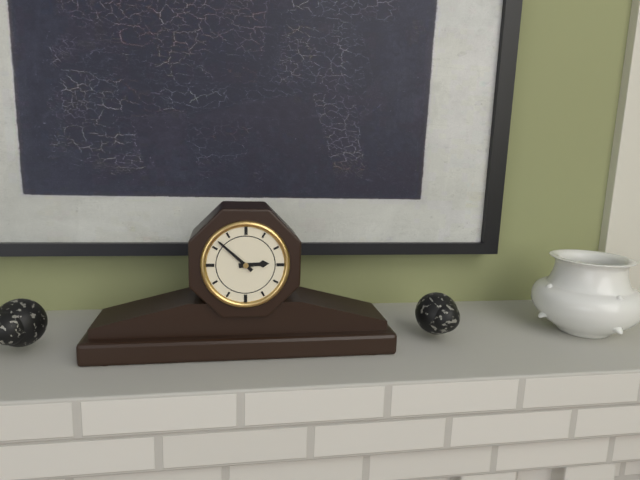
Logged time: 2 h 52 min
